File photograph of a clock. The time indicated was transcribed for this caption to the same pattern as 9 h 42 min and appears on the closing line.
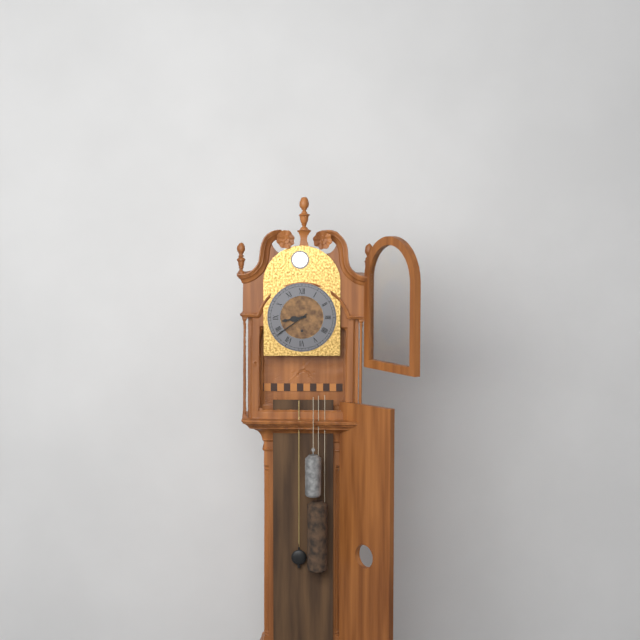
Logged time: 8 h 39 min
